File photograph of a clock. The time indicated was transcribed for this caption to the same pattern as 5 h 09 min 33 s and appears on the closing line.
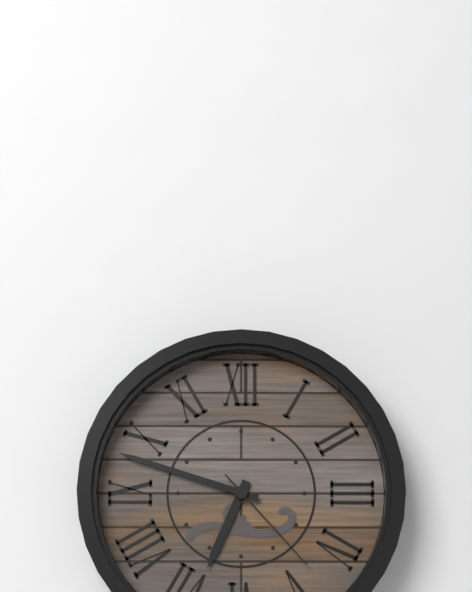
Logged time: 6 h 48 min 23 s
